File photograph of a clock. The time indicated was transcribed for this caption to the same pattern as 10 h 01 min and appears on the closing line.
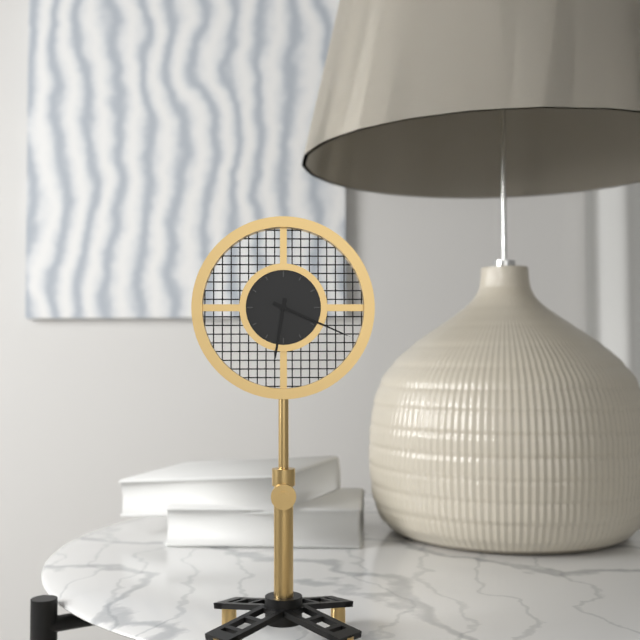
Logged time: 6 h 19 min
